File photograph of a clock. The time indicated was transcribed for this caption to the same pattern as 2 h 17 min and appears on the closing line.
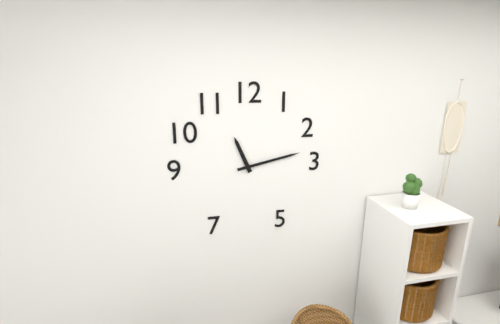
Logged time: 11 h 13 min
